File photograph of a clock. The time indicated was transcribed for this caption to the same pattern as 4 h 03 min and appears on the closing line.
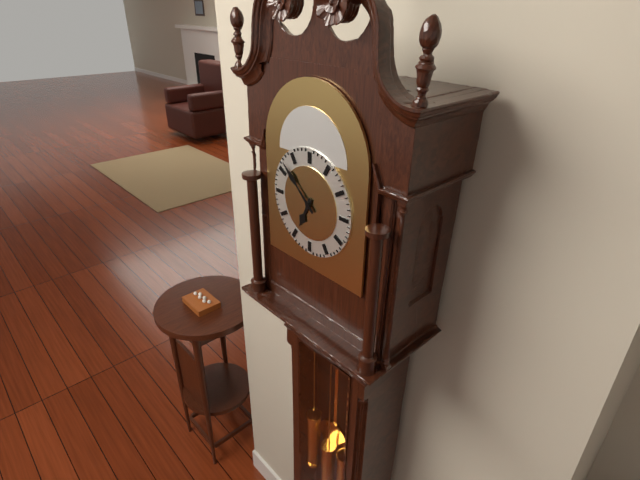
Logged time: 6 h 52 min
